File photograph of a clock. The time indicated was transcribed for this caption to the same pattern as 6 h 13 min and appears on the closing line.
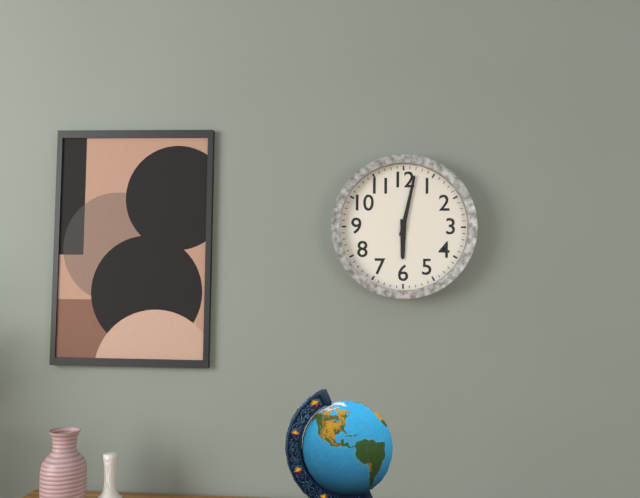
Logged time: 6 h 02 min
